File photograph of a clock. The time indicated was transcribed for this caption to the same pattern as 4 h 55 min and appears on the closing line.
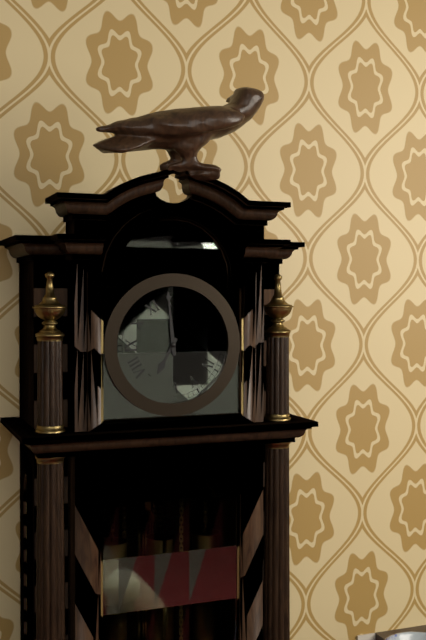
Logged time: 6 h 59 min
